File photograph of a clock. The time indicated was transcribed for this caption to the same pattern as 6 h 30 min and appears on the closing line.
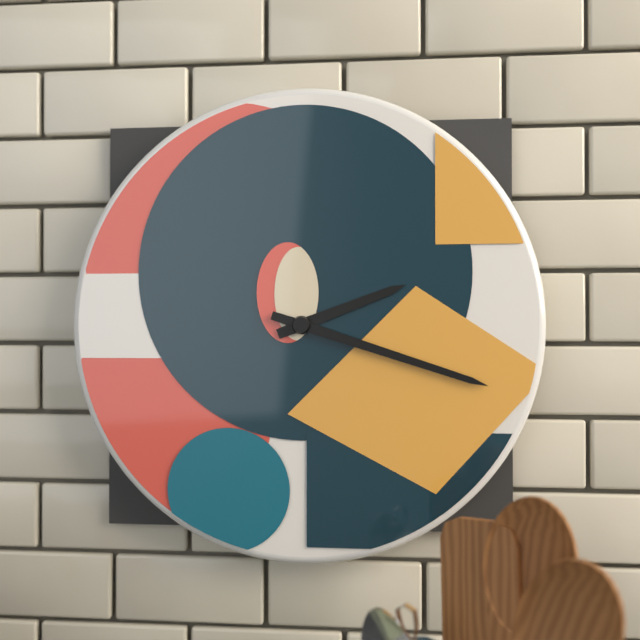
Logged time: 2 h 18 min
